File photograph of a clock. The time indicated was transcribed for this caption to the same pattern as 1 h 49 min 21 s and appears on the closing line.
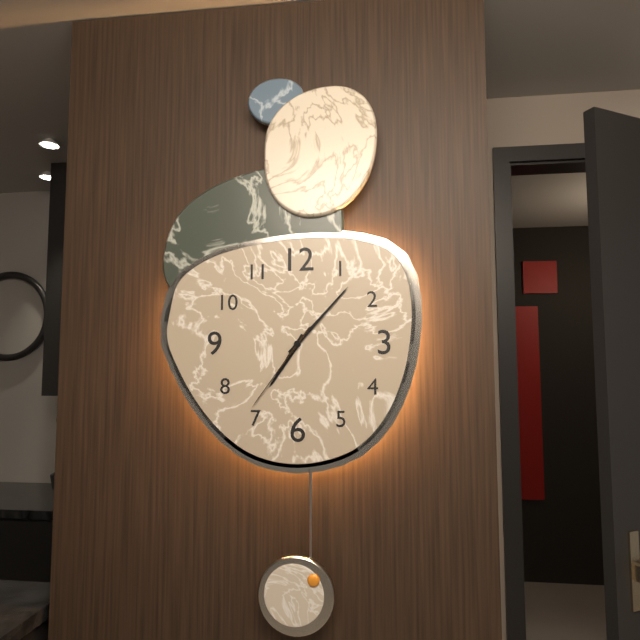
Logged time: 7 h 07 min 36 s
